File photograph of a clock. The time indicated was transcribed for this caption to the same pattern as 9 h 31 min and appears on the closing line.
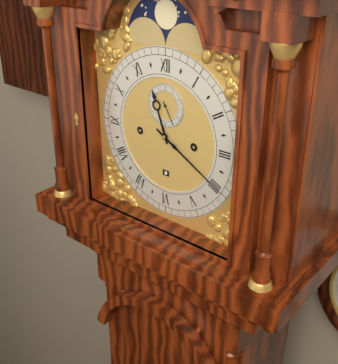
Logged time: 11 h 20 min
